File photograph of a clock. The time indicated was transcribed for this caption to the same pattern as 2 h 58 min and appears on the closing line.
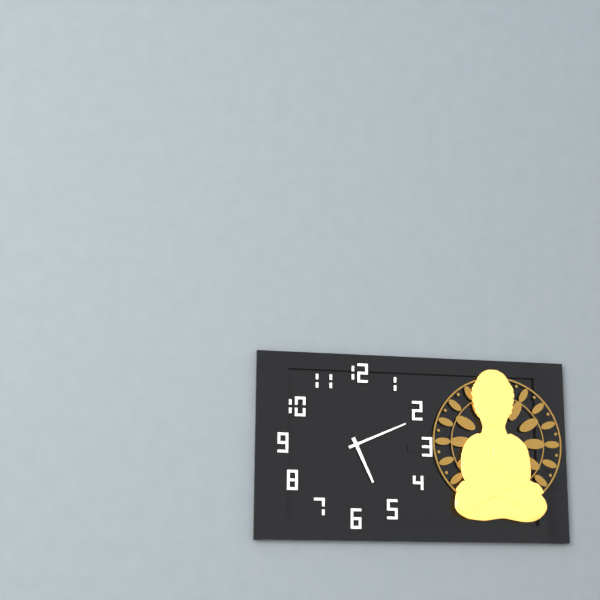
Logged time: 5 h 11 min
